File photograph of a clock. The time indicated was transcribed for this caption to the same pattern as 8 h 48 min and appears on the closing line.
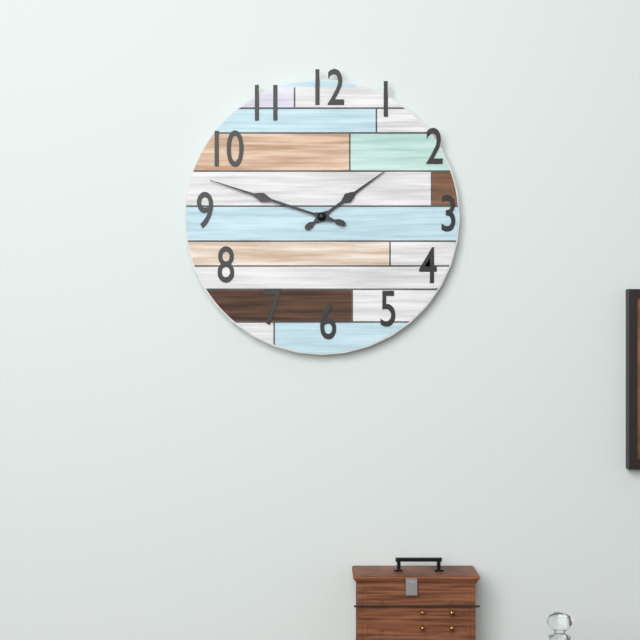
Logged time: 1 h 48 min
